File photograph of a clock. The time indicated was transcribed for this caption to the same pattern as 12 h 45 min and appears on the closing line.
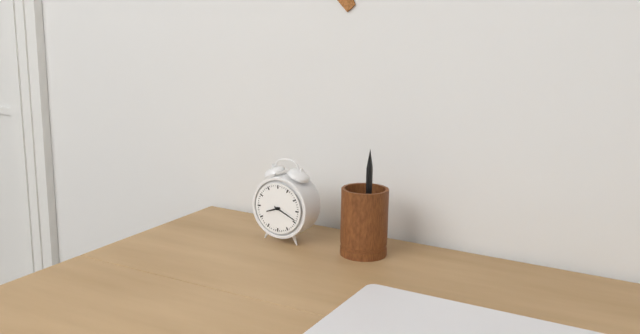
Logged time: 8 h 19 min
